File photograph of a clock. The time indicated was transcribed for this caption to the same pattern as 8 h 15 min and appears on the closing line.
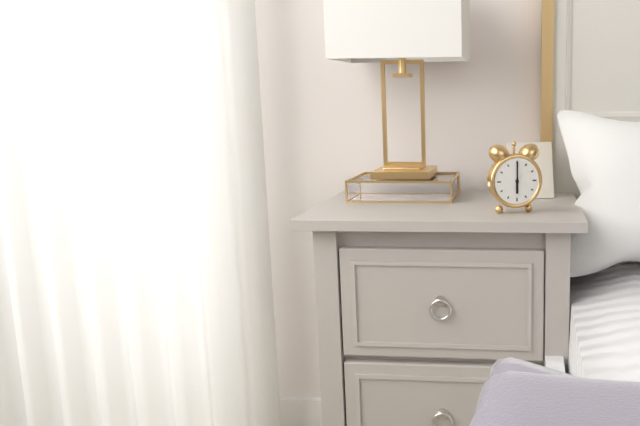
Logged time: 6 h 00 min
